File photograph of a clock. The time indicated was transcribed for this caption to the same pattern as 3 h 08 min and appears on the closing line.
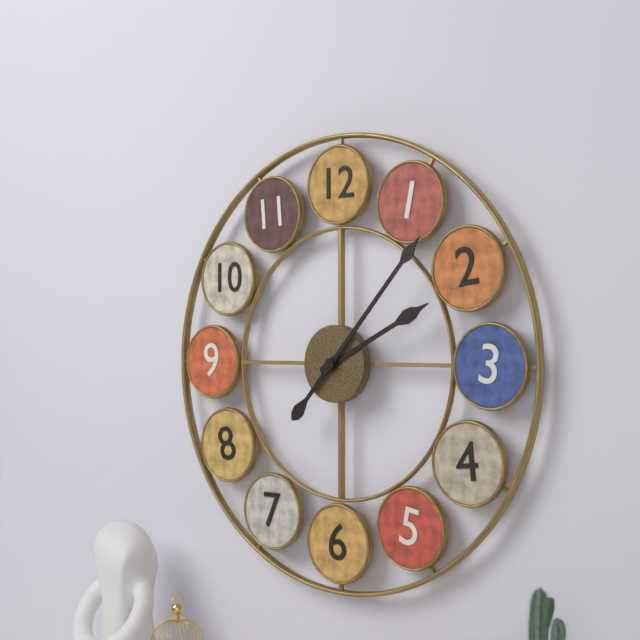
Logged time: 2 h 07 min
